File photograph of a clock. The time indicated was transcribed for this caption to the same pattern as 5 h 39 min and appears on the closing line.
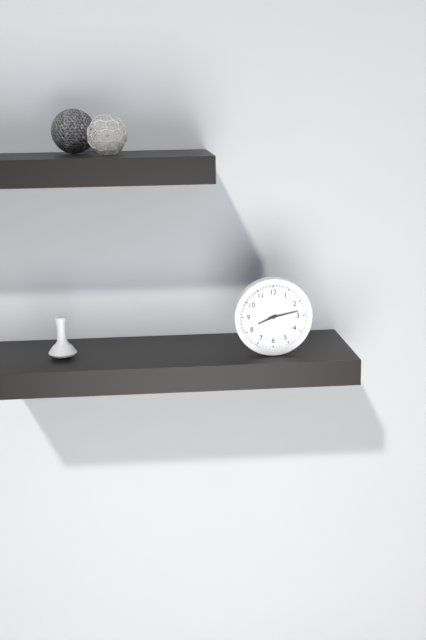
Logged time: 8 h 13 min
